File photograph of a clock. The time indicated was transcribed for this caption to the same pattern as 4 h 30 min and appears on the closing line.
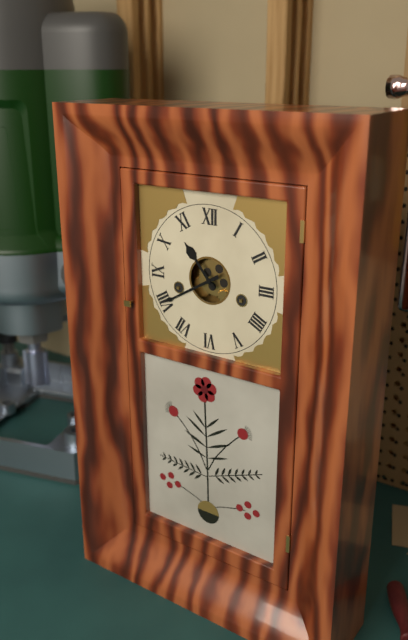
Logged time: 10 h 40 min
